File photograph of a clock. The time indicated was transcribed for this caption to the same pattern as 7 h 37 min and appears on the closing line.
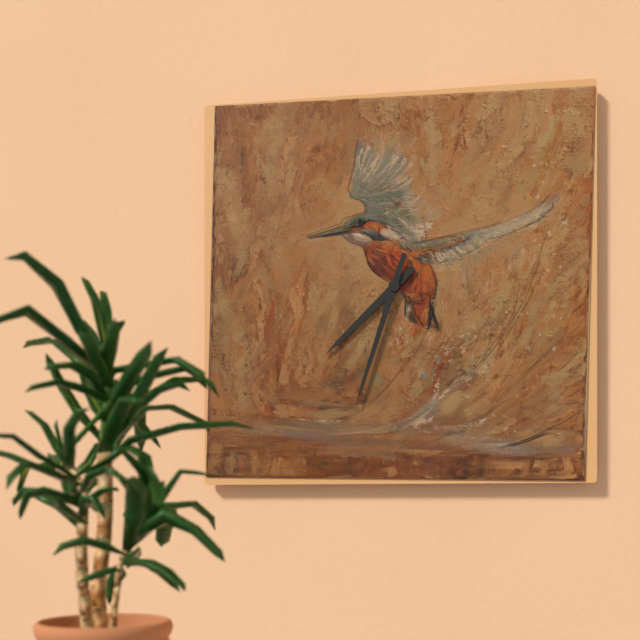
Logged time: 7 h 33 min
